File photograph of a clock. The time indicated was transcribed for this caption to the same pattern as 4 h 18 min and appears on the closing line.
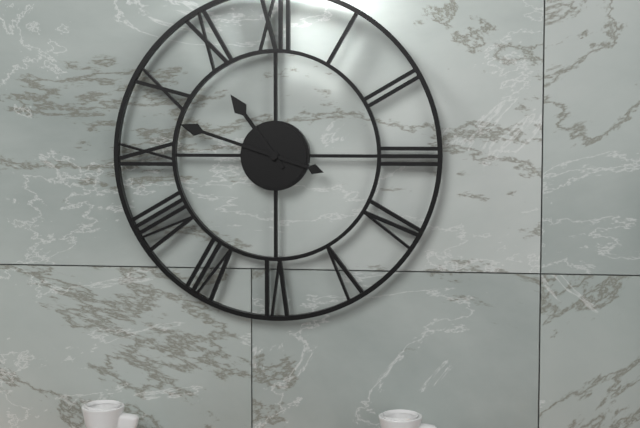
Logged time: 10 h 48 min
